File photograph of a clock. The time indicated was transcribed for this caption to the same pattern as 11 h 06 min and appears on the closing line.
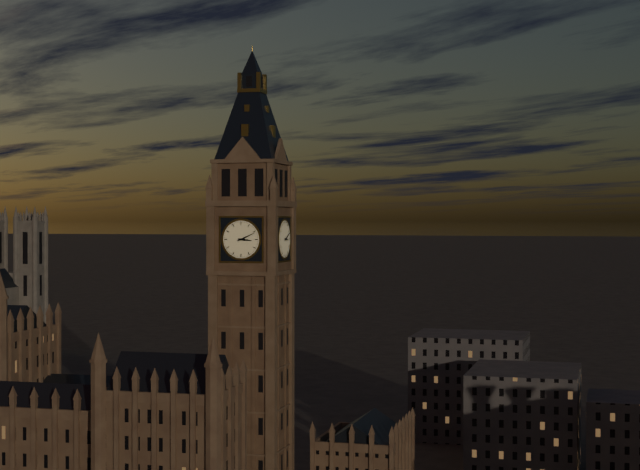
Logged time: 3 h 11 min
